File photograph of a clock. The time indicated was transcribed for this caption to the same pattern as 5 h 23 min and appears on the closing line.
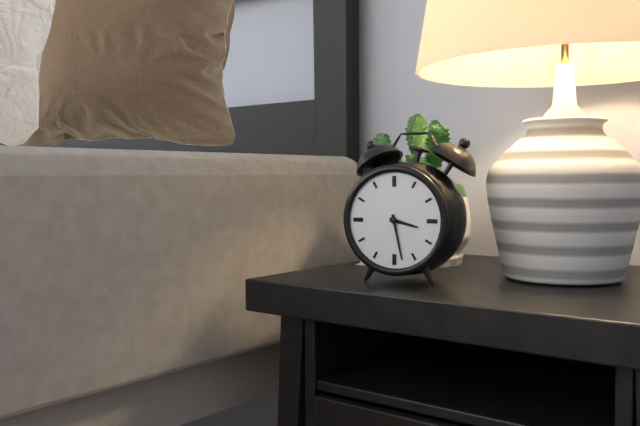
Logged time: 3 h 28 min
